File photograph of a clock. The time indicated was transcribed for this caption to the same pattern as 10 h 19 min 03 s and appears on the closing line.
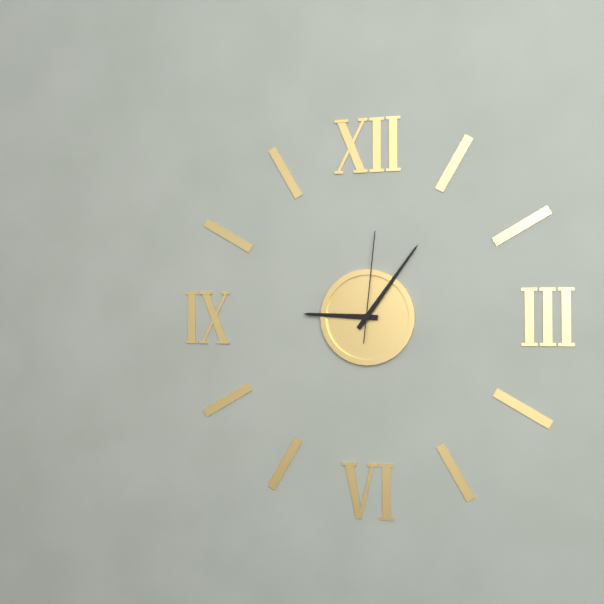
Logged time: 9 h 06 min 01 s
